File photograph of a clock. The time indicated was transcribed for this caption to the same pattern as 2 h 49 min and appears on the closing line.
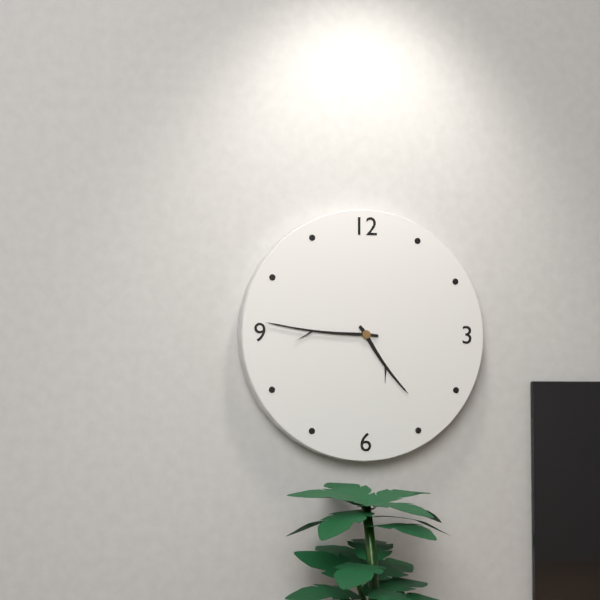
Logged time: 4 h 46 min
